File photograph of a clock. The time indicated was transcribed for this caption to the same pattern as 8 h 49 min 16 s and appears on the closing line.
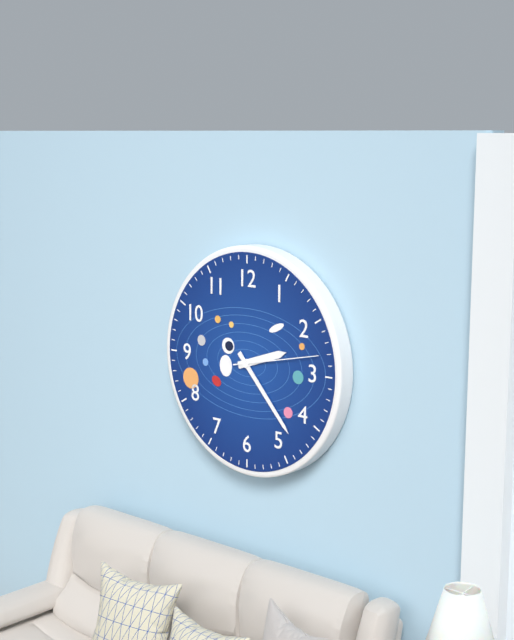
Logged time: 2 h 23 min 13 s
